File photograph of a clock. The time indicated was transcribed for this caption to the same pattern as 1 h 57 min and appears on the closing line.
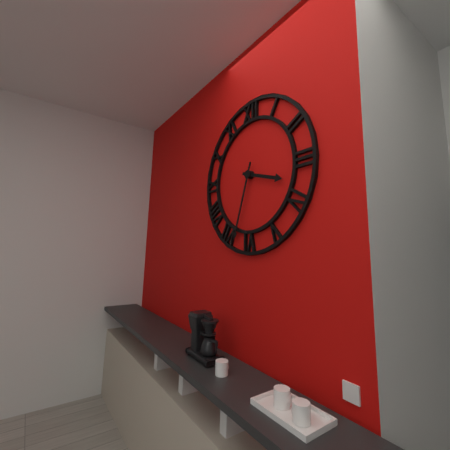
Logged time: 3 h 33 min
